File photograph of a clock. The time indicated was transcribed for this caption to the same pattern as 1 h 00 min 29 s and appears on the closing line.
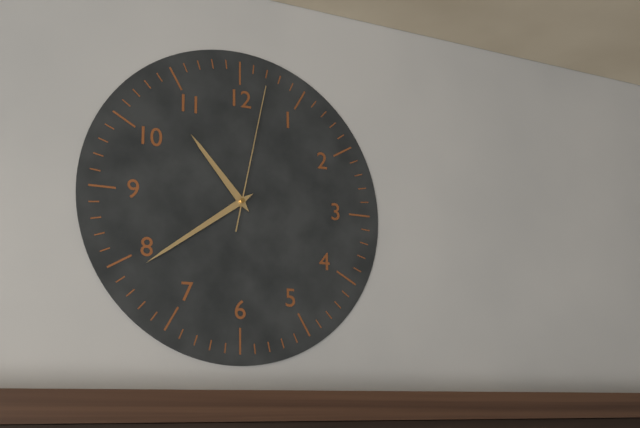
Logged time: 10 h 39 min 02 s
